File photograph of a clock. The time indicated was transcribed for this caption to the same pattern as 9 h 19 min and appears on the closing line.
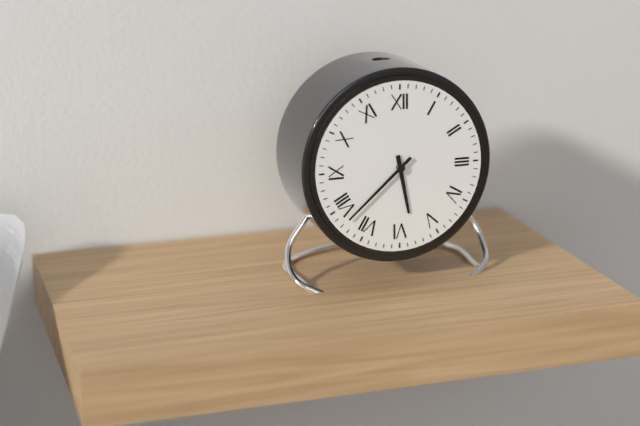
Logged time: 5 h 38 min
